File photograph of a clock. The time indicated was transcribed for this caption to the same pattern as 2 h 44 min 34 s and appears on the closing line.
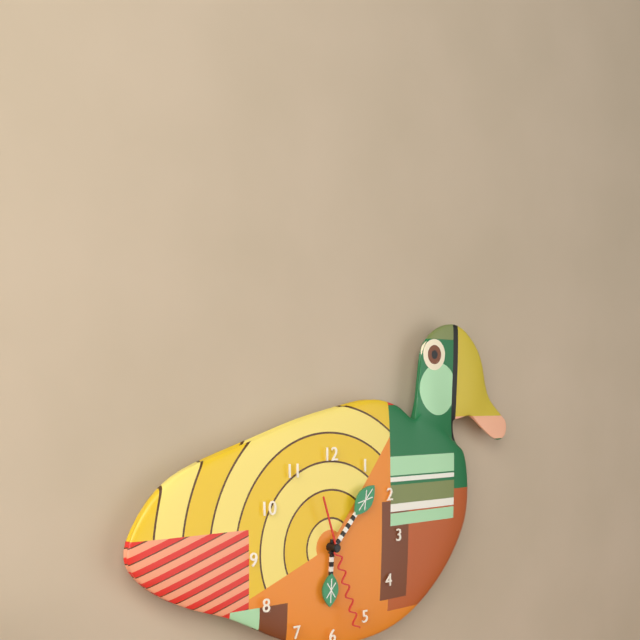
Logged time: 6 h 07 min 27 s
